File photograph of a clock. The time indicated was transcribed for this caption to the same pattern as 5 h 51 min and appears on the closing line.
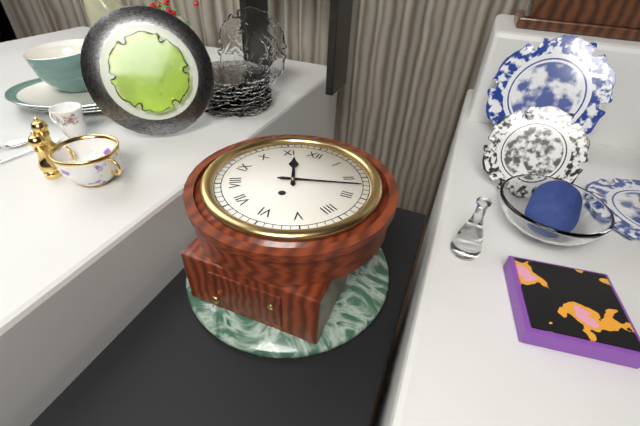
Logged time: 11 h 12 min
